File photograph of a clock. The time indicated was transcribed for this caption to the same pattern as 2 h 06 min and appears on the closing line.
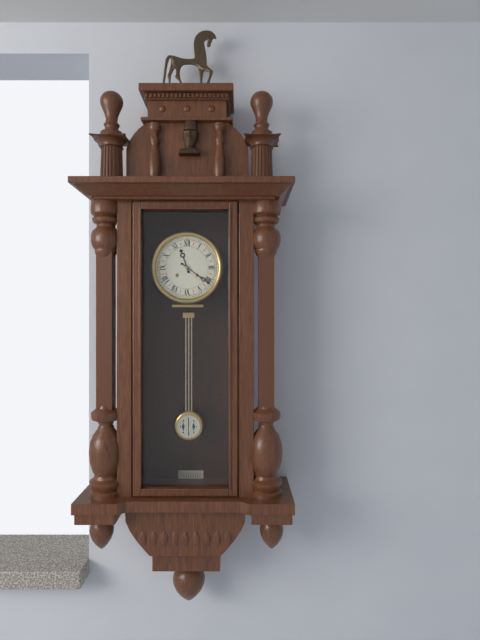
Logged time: 11 h 21 min
